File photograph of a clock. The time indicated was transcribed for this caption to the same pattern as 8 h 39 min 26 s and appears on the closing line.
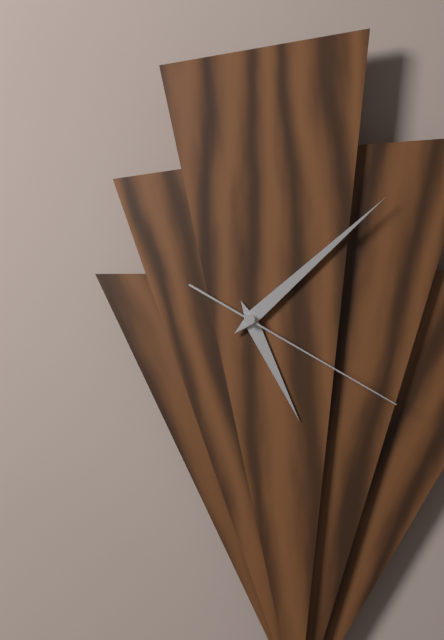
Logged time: 5 h 08 min 20 s
